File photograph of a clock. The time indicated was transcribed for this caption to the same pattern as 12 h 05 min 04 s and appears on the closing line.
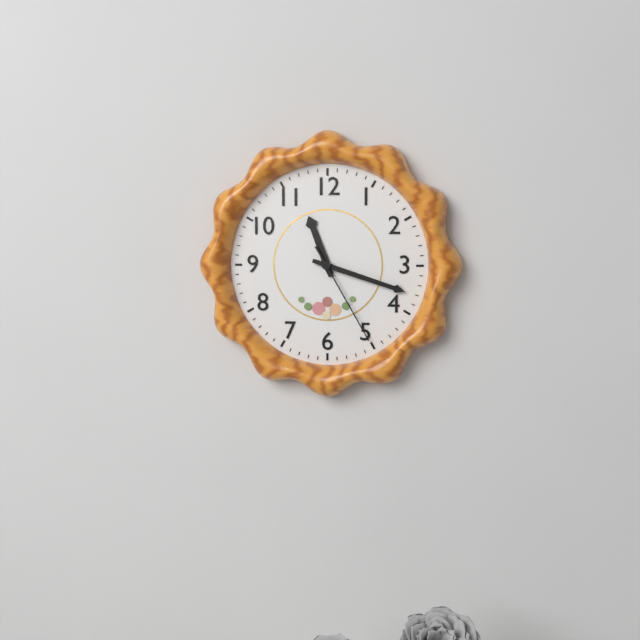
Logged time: 11 h 18 min 25 s
